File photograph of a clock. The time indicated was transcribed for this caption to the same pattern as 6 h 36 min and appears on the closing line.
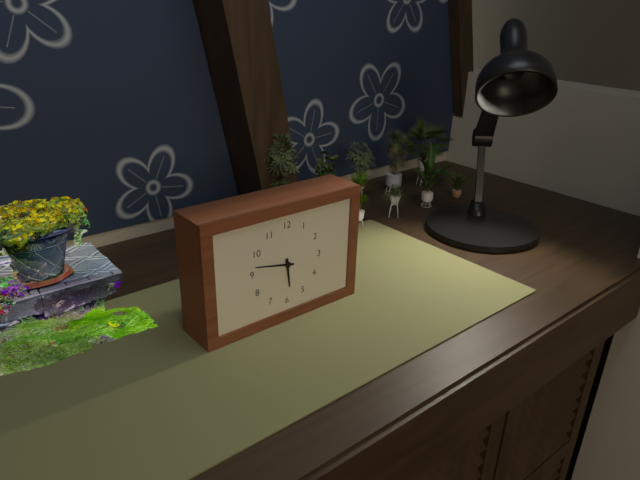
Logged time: 5 h 47 min
